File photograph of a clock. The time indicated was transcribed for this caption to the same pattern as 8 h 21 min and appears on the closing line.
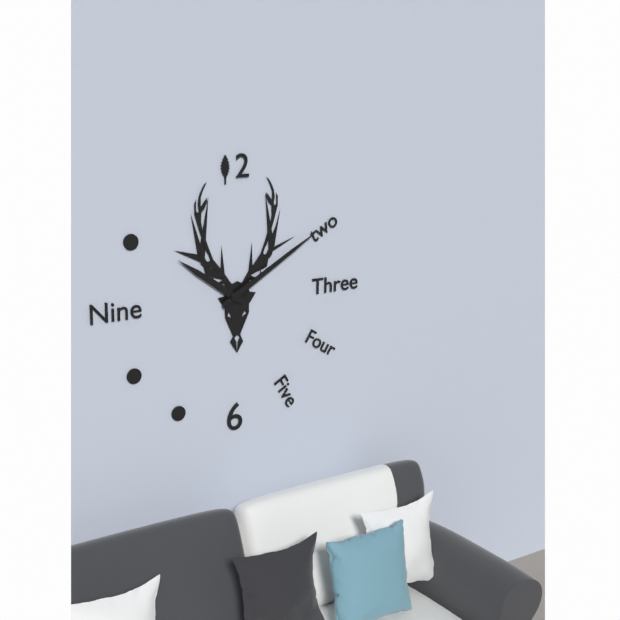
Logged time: 10 h 10 min
